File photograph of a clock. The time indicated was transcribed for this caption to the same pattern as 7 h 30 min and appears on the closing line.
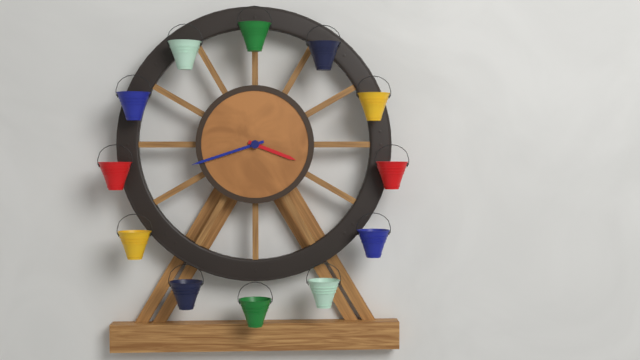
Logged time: 3 h 42 min
